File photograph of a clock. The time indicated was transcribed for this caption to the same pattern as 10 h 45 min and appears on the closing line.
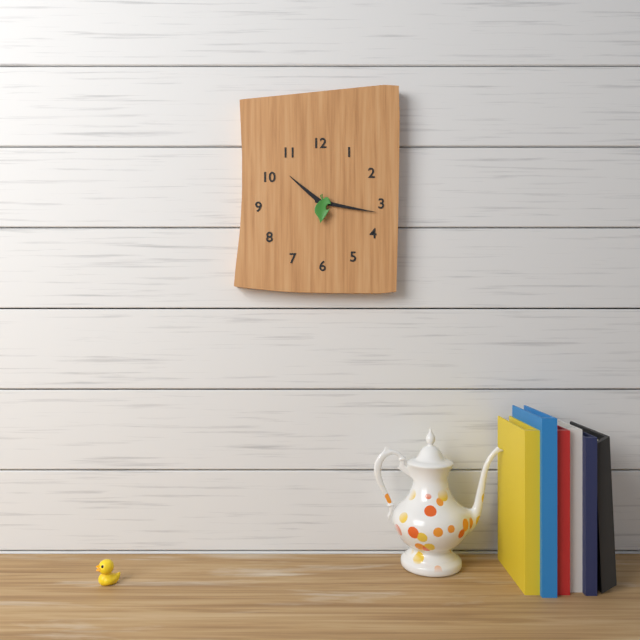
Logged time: 10 h 17 min
